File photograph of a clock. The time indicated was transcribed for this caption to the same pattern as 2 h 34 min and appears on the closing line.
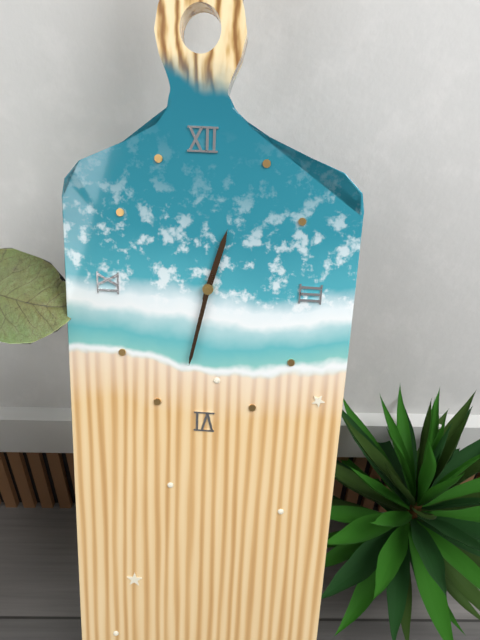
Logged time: 12 h 32 min
